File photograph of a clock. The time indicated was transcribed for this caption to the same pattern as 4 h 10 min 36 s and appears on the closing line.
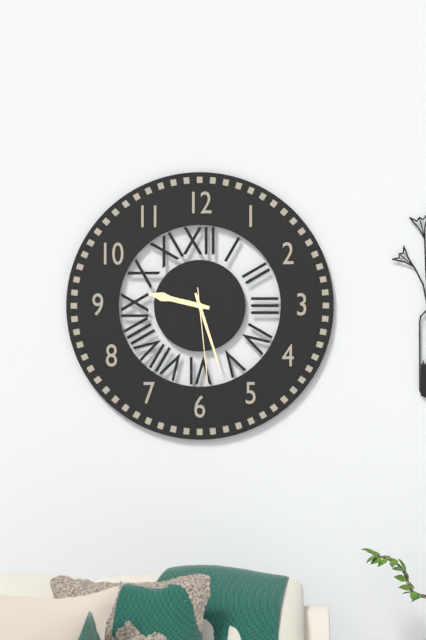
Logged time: 9 h 27 min 29 s
